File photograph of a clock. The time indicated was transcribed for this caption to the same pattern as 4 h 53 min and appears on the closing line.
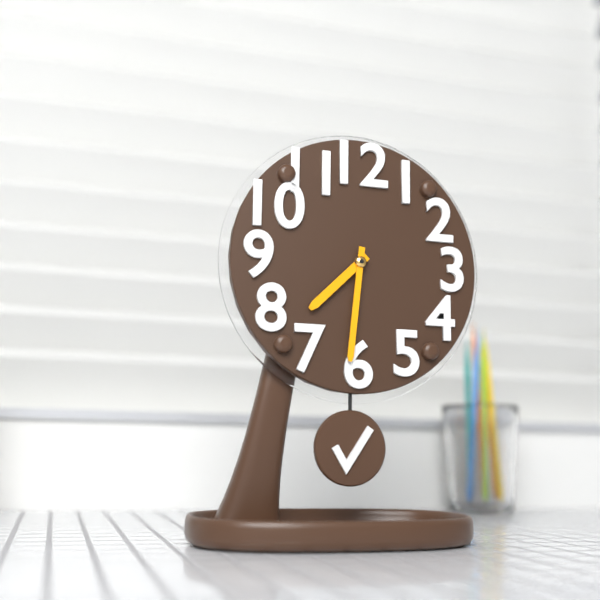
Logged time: 7 h 31 min
